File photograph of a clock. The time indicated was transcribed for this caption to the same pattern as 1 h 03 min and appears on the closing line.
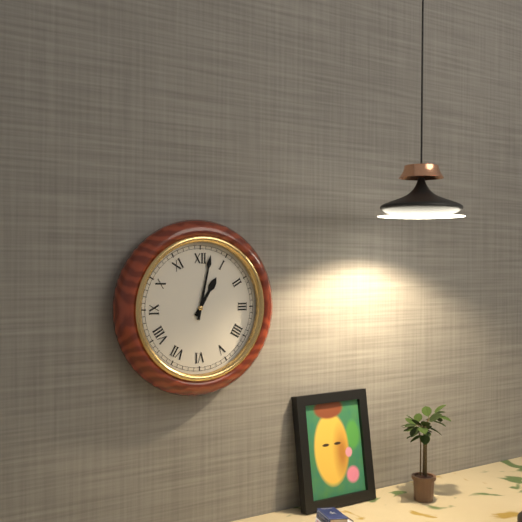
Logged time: 1 h 02 min
